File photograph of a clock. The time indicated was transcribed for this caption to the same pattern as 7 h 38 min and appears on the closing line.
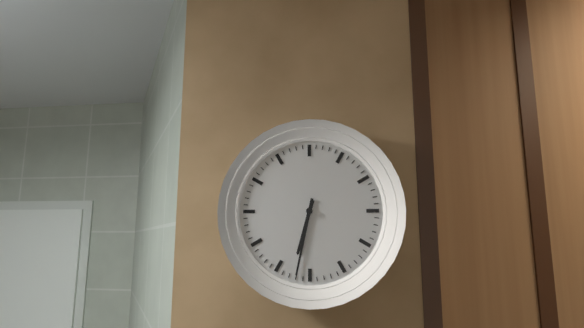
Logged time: 6 h 32 min
